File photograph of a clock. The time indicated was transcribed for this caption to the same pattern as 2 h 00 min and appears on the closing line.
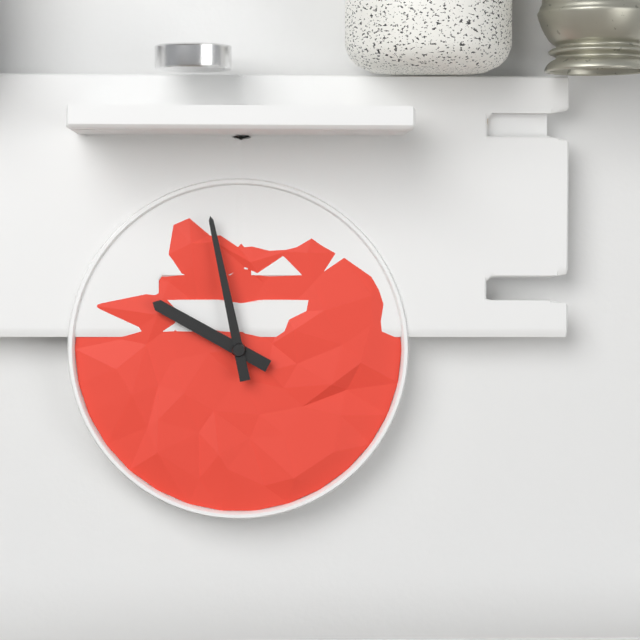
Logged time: 9 h 58 min
